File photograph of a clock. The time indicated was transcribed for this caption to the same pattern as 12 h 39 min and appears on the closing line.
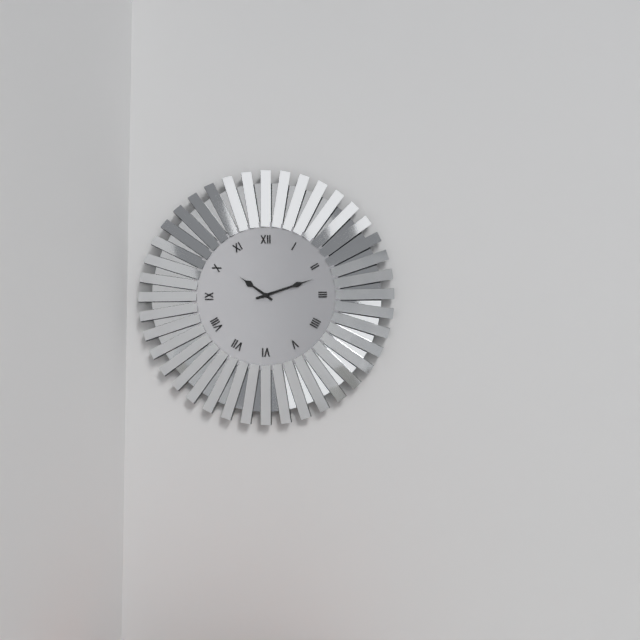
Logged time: 10 h 12 min
